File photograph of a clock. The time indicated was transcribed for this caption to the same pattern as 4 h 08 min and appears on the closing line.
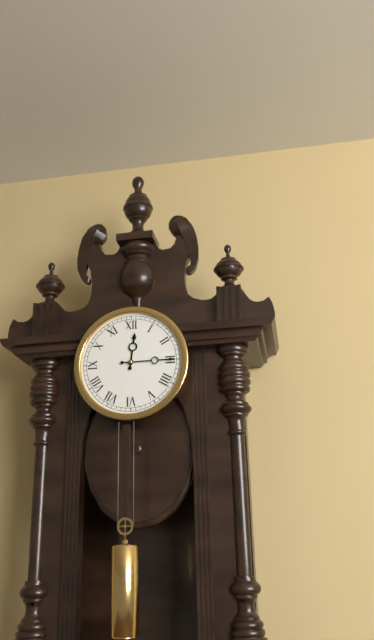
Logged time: 12 h 15 min
